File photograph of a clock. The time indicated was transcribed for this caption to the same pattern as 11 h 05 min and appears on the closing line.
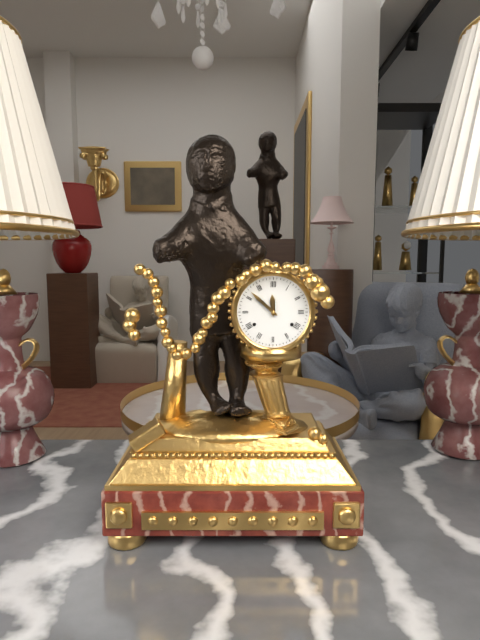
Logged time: 11 h 52 min
